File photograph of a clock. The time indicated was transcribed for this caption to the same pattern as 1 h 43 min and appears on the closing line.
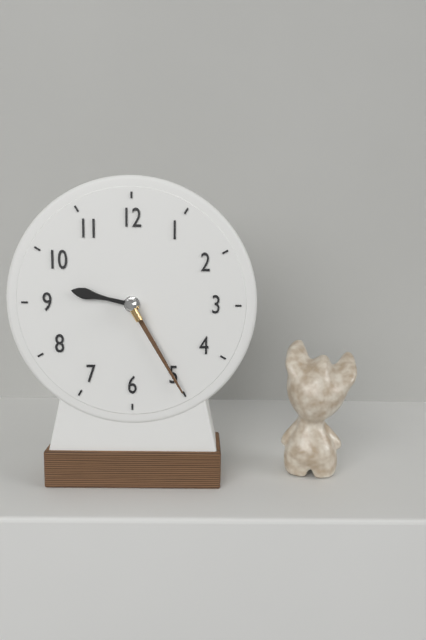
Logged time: 9 h 25 min
